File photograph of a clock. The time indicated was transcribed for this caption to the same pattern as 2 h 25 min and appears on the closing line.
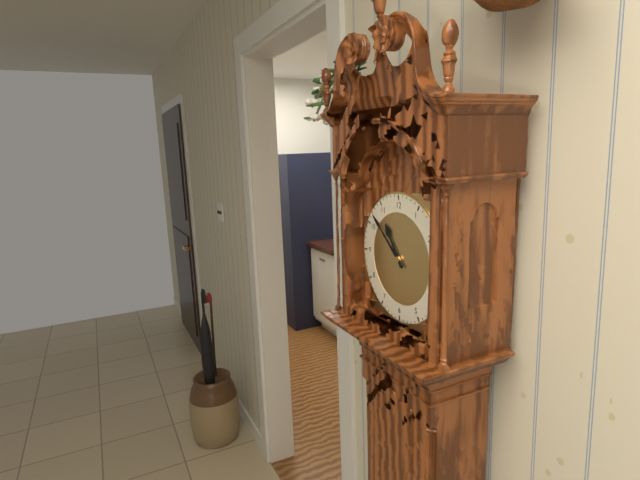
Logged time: 10 h 52 min
